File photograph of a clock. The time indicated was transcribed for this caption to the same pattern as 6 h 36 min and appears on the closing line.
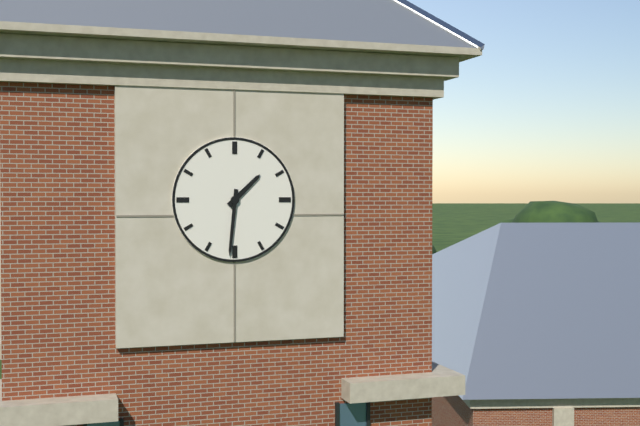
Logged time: 1 h 31 min
